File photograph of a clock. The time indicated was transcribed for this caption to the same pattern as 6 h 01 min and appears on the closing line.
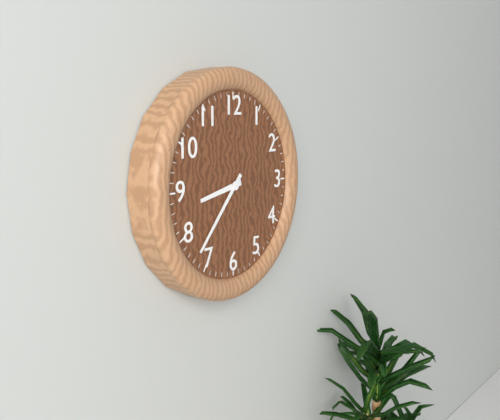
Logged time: 8 h 37 min
